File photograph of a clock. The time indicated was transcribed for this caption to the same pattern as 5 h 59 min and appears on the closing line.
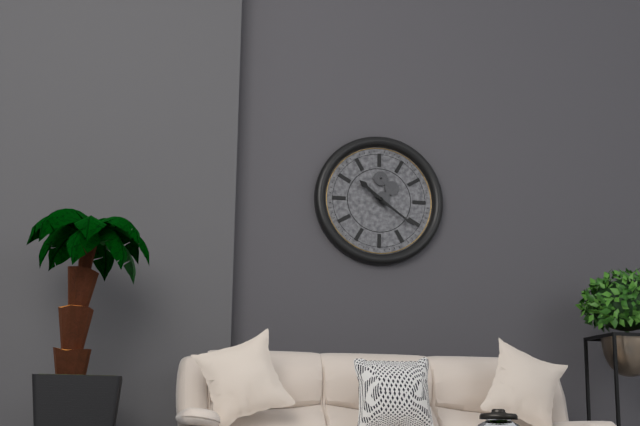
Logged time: 10 h 21 min
